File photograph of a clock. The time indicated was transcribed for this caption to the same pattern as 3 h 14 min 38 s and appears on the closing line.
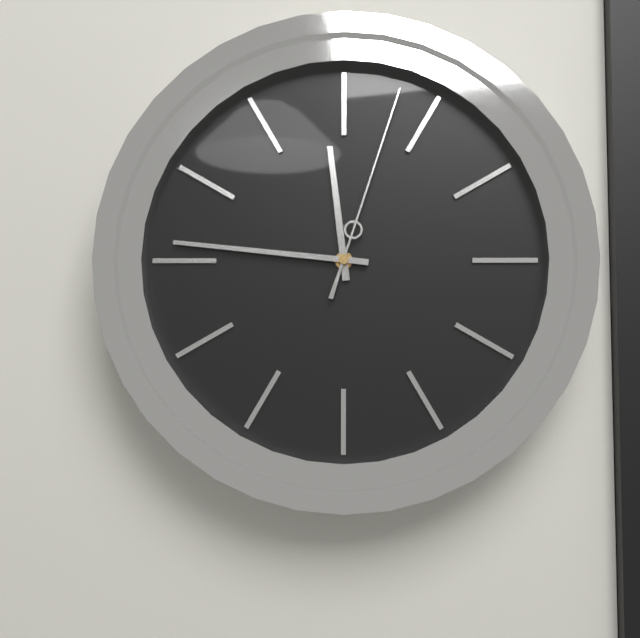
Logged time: 11 h 46 min 03 s
